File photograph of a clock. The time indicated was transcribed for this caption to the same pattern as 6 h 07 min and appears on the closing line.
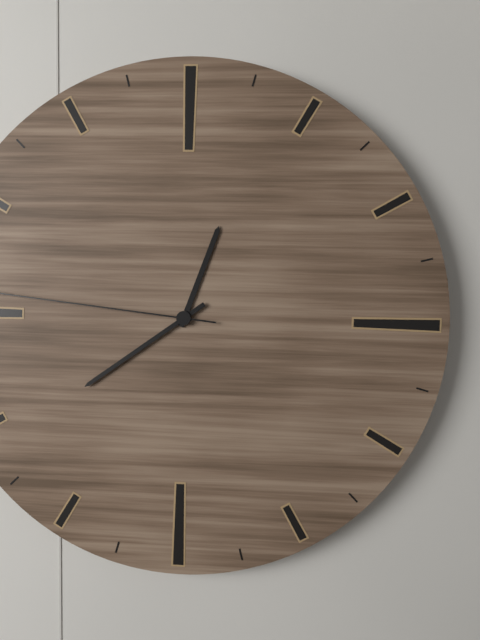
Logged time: 12 h 39 min
